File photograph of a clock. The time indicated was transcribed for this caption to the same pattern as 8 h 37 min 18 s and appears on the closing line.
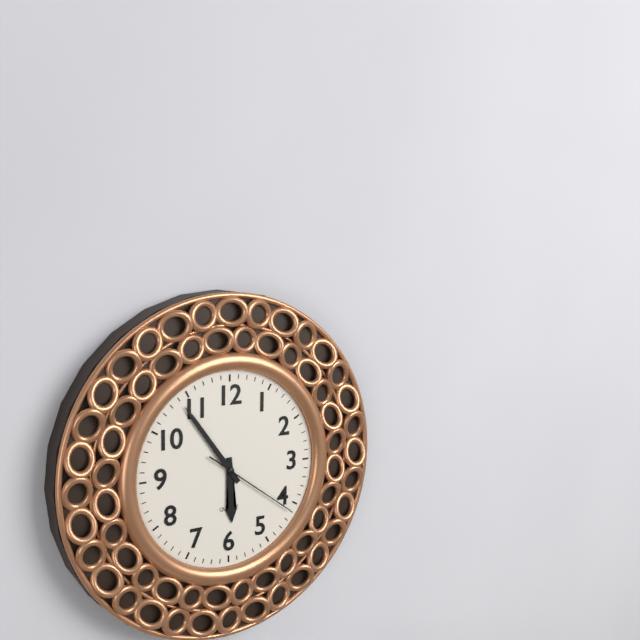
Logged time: 5 h 54 min 21 s
